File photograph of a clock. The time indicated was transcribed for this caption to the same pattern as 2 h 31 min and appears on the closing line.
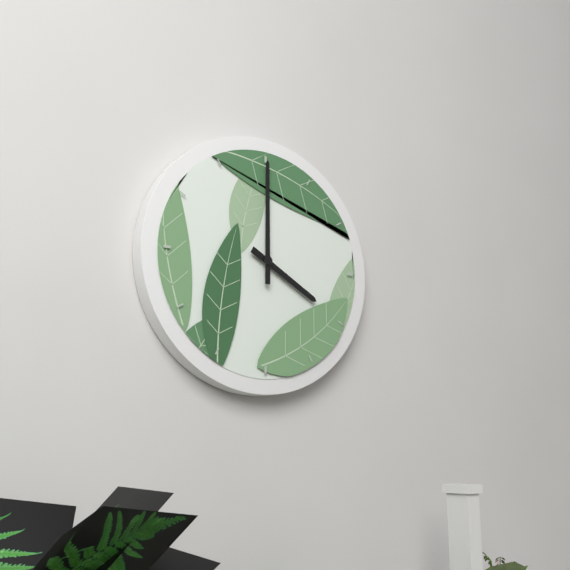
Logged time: 4 h 00 min
